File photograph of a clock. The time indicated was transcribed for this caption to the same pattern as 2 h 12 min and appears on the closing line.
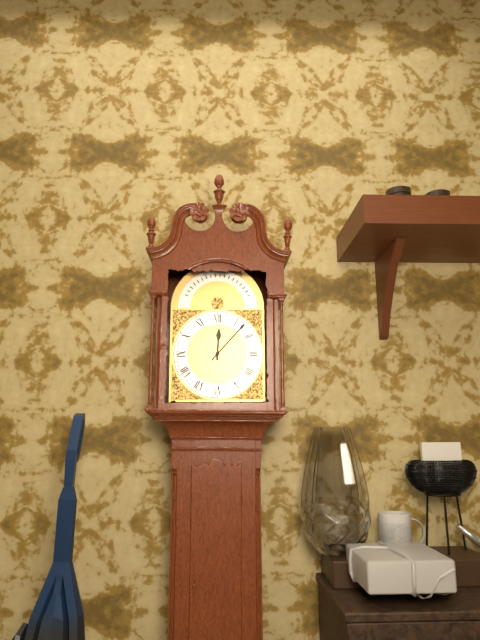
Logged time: 12 h 07 min
